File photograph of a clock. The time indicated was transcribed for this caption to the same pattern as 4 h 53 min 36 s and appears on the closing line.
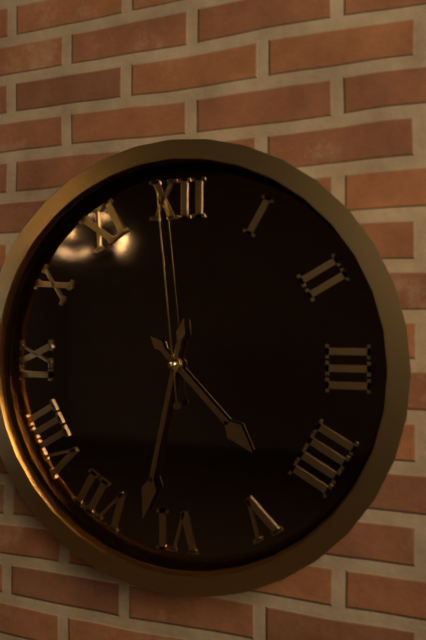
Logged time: 4 h 32 min 59 s
